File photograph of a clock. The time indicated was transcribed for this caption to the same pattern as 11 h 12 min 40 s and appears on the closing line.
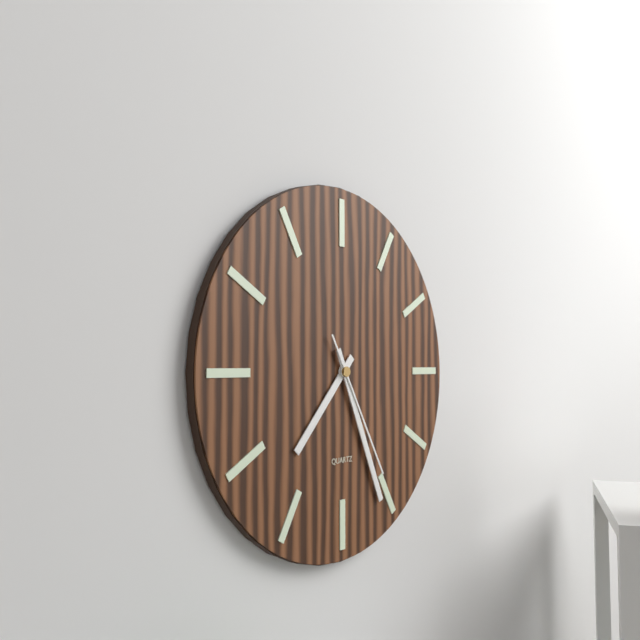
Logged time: 7 h 26 min 25 s
